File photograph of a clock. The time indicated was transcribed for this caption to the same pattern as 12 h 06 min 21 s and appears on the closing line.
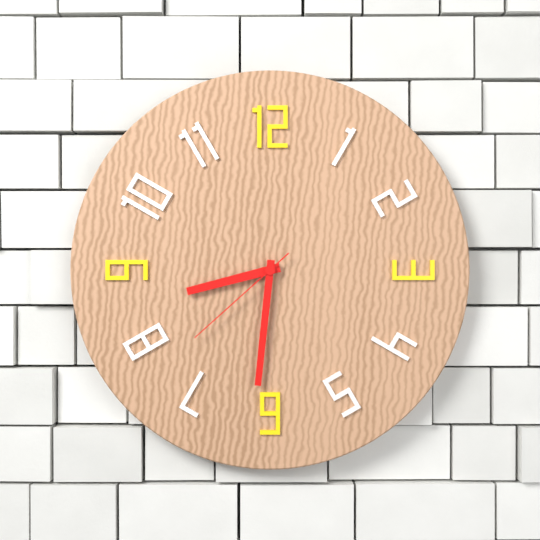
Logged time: 8 h 31 min 38 s
